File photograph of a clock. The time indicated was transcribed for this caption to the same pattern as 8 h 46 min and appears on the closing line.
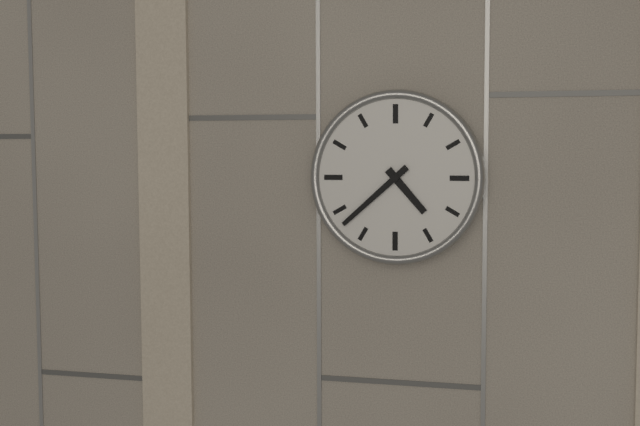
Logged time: 4 h 38 min
